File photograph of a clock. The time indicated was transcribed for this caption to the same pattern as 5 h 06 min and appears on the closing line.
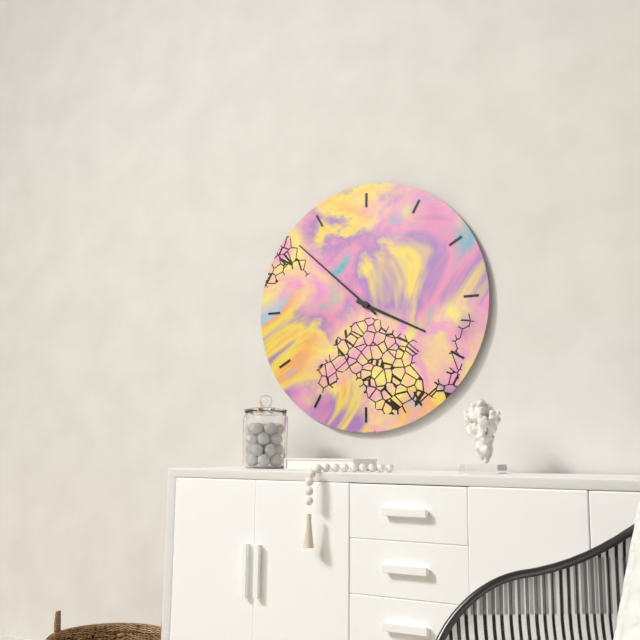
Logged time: 3 h 52 min
